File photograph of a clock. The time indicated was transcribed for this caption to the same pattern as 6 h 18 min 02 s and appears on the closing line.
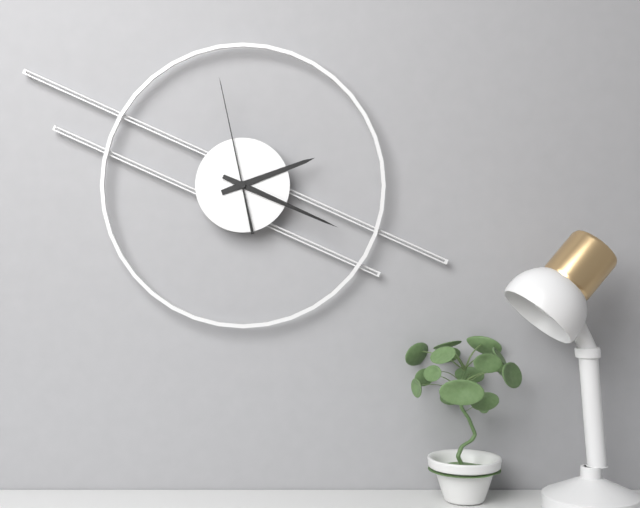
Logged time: 2 h 19 min 58 s
